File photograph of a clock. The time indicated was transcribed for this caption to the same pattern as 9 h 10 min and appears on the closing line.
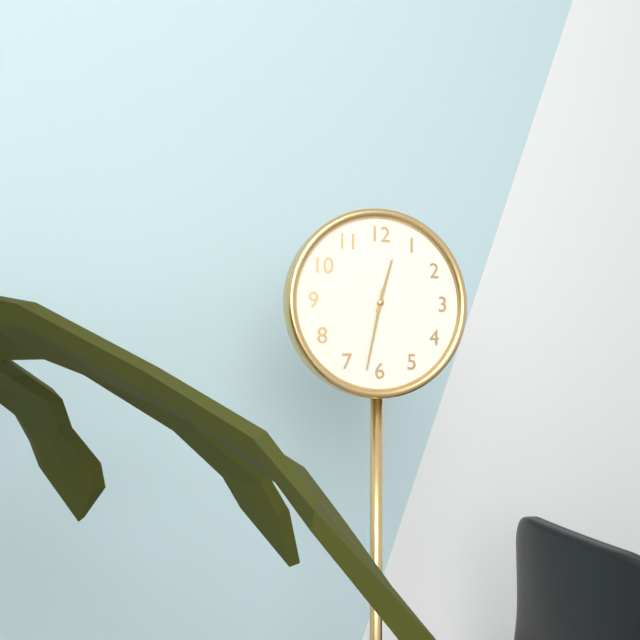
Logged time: 12 h 32 min
